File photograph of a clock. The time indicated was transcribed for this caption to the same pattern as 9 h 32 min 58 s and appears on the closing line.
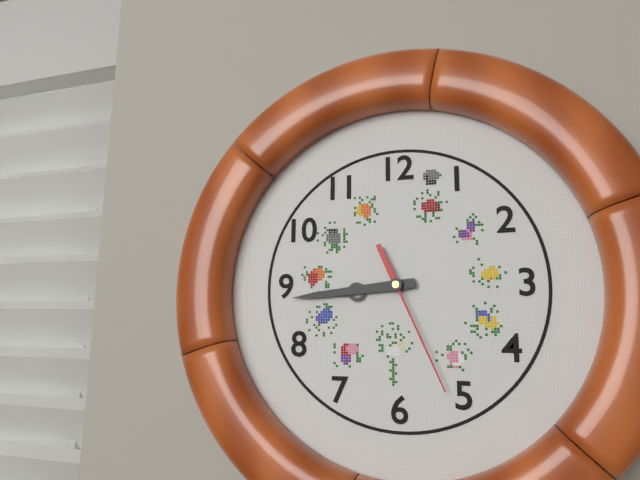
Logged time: 8 h 44 min 26 s
